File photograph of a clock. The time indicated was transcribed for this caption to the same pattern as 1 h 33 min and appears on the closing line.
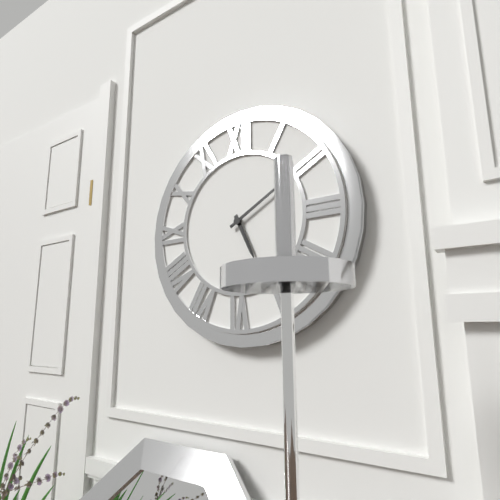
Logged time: 5 h 10 min
